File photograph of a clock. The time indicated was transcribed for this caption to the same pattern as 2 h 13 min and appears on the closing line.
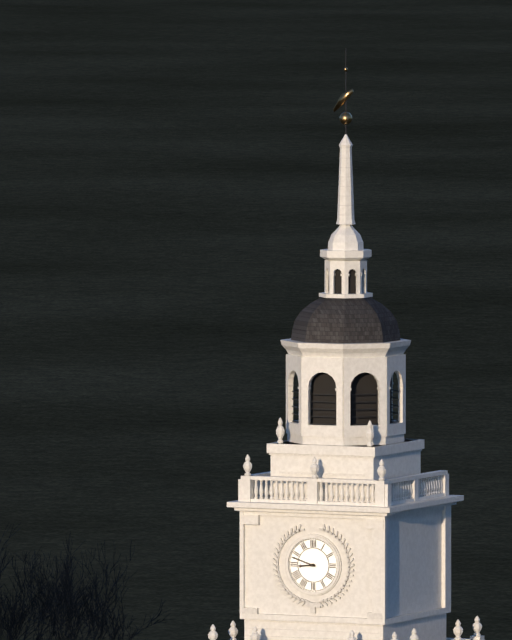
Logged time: 8 h 48 min
